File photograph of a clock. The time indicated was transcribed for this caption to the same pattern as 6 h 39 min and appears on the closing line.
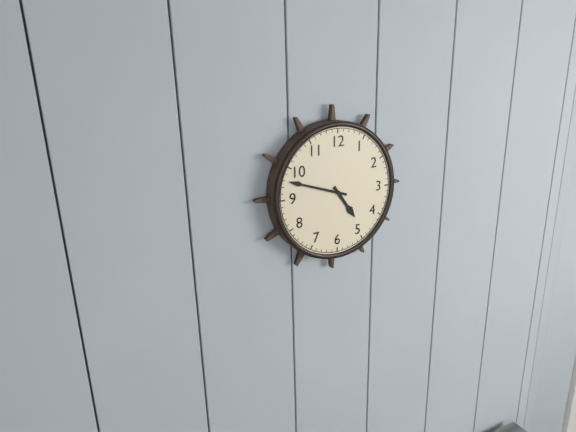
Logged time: 4 h 48 min
